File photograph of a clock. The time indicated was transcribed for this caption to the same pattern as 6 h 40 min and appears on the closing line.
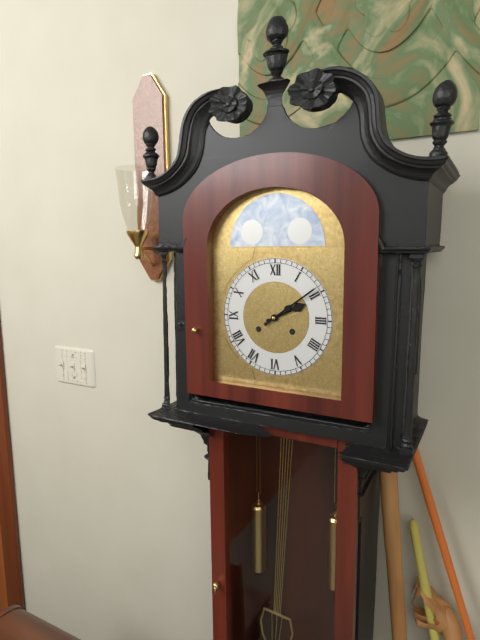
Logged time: 2 h 09 min
